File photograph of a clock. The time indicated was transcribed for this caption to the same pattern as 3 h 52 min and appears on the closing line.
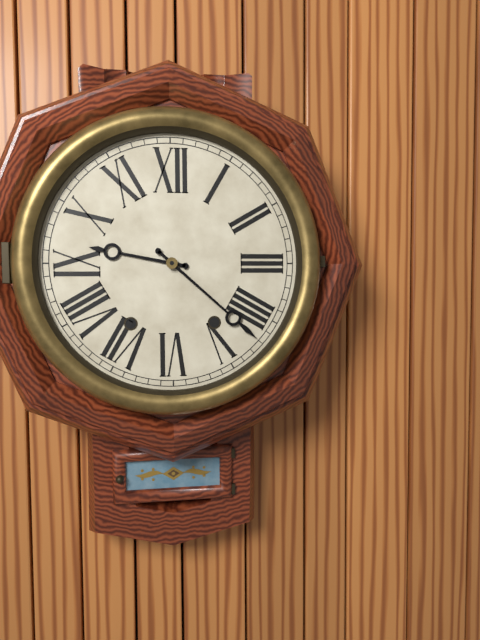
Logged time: 9 h 22 min
